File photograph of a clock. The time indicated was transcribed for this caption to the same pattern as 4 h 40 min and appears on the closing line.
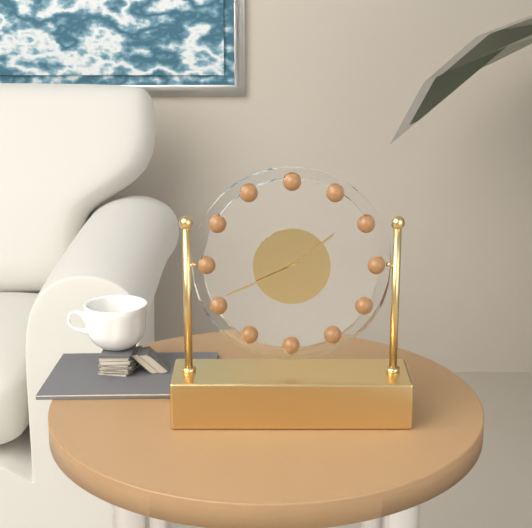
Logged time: 1 h 41 min
